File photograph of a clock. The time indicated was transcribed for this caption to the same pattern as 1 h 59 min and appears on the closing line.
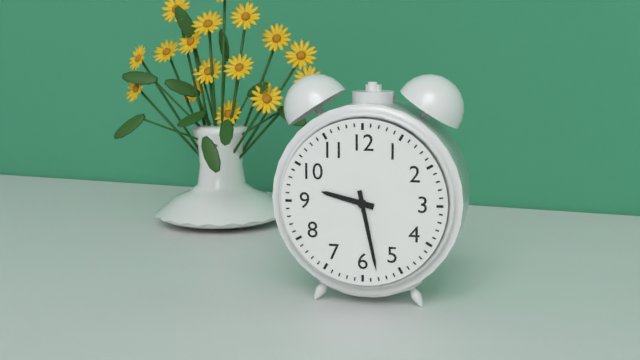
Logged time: 9 h 28 min
